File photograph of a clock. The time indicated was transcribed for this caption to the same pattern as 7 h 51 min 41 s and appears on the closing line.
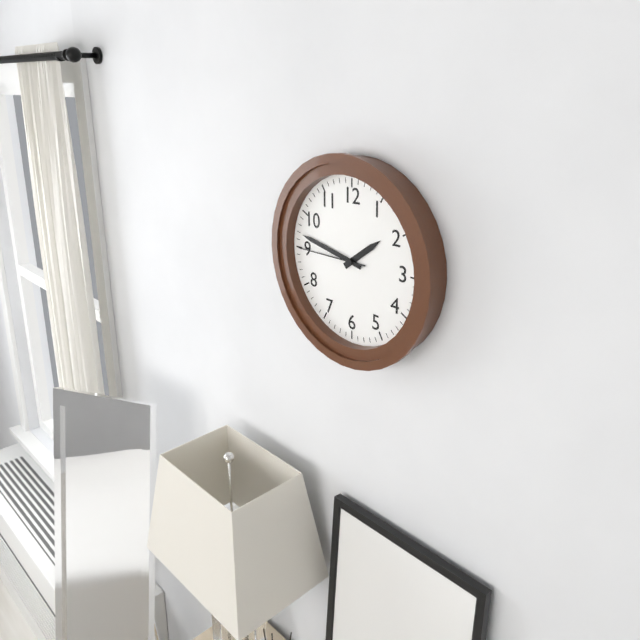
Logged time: 1 h 47 min 45 s
